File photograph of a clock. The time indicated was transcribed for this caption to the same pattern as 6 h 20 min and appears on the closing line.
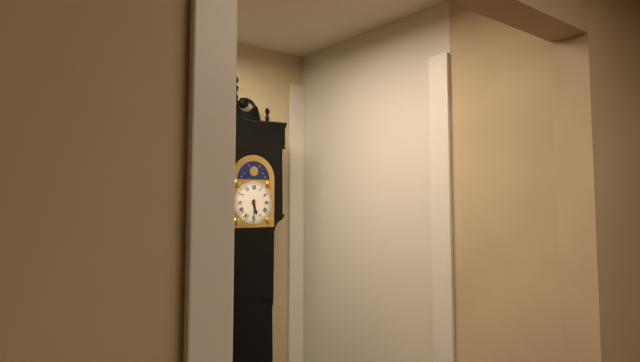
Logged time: 5 h 30 min
